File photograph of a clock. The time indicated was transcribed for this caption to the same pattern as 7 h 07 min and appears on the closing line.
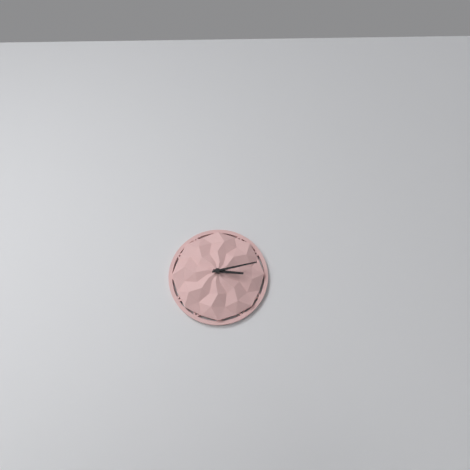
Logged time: 3 h 13 min
